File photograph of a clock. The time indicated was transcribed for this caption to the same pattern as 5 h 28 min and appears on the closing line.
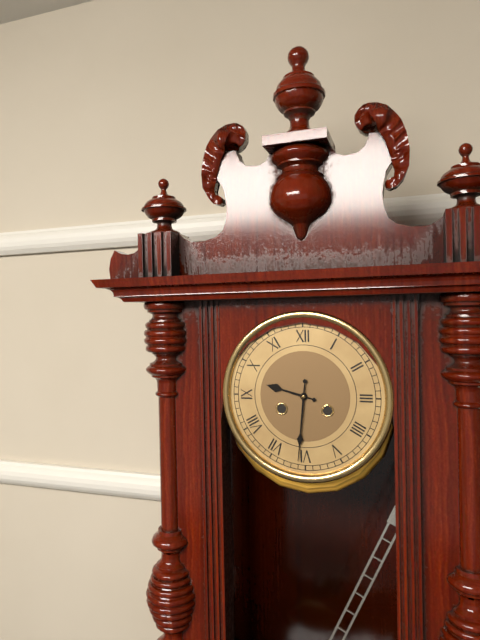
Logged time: 9 h 31 min
